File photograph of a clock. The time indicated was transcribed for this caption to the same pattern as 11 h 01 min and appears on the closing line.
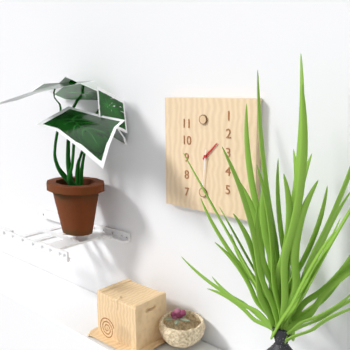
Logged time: 1 h 31 min
